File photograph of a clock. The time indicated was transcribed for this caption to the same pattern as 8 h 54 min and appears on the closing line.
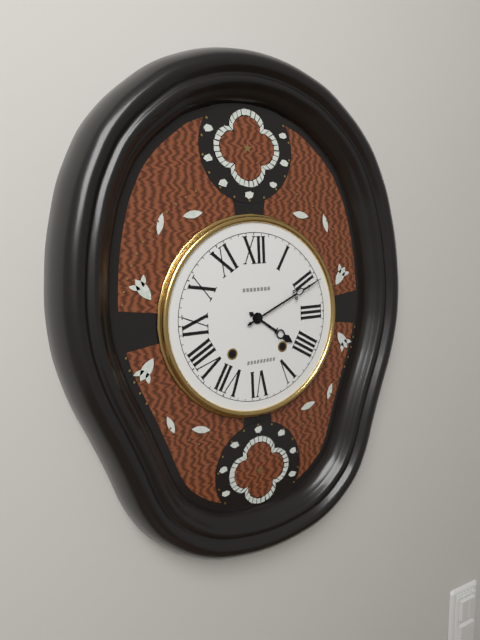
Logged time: 4 h 11 min
